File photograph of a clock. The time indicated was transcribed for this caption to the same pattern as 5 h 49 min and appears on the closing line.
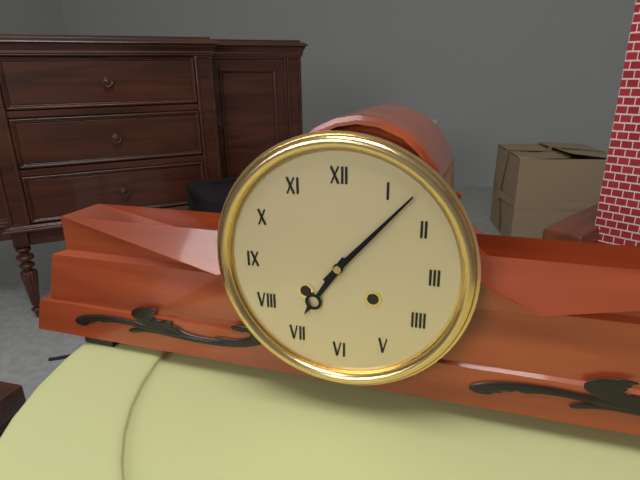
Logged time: 7 h 07 min
